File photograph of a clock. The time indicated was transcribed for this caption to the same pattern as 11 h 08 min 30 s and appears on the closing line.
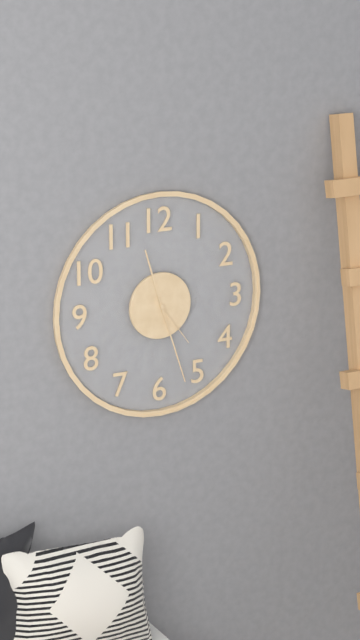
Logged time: 11 h 27 min 24 s
